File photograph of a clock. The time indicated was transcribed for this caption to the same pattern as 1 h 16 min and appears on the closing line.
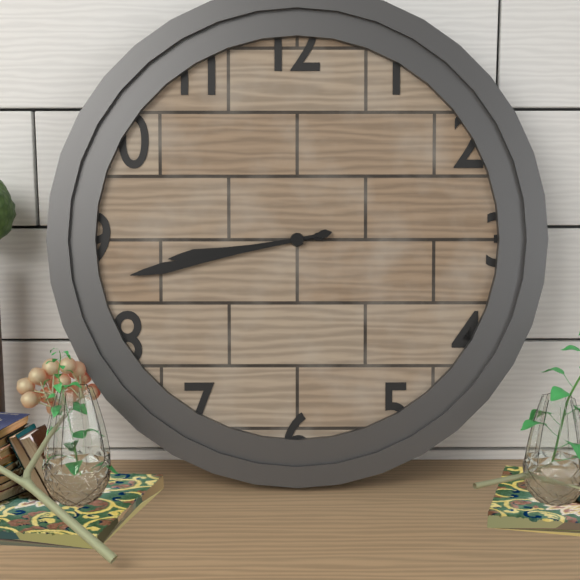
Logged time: 8 h 43 min
